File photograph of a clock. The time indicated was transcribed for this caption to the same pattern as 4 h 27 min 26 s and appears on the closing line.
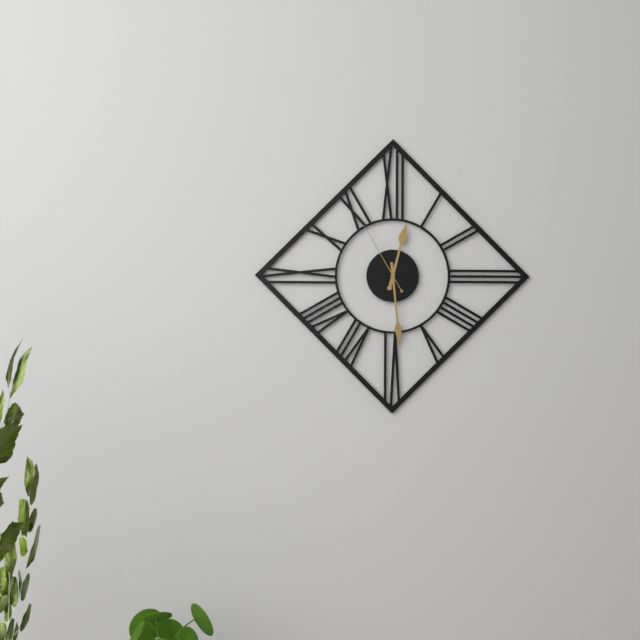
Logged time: 12 h 29 min 55 s
